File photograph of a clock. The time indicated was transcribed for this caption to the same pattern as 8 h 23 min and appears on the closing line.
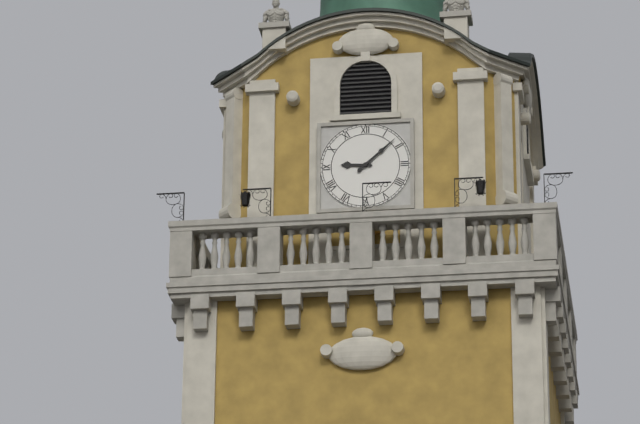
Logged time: 9 h 08 min
